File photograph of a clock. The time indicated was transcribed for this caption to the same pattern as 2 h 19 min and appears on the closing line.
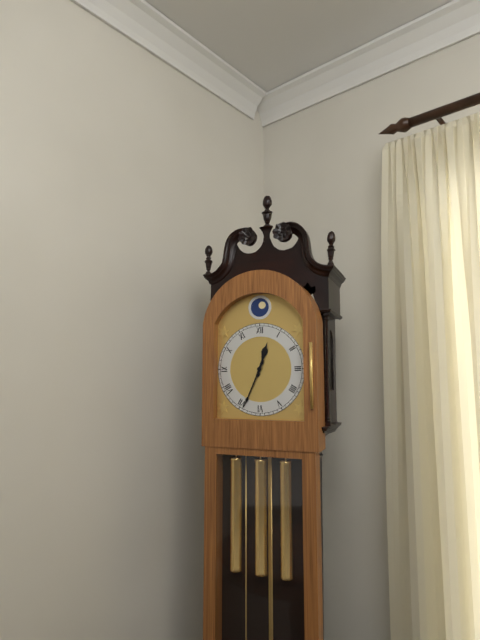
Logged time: 12 h 34 min
